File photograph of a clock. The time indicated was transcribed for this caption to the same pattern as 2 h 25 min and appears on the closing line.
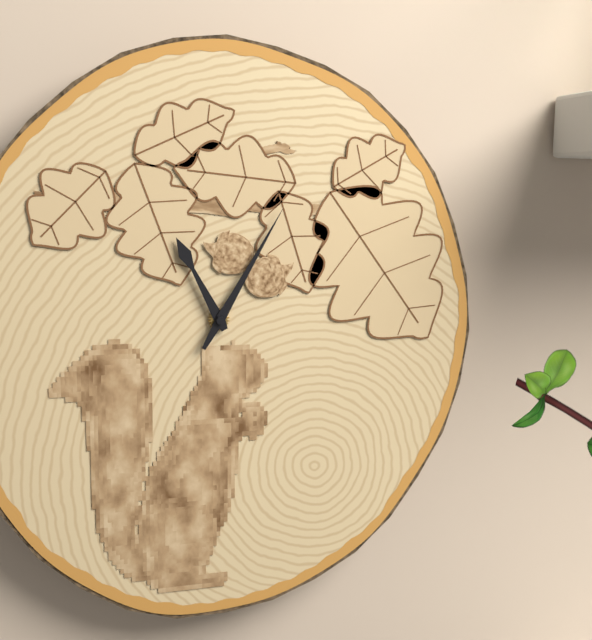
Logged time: 11 h 05 min
